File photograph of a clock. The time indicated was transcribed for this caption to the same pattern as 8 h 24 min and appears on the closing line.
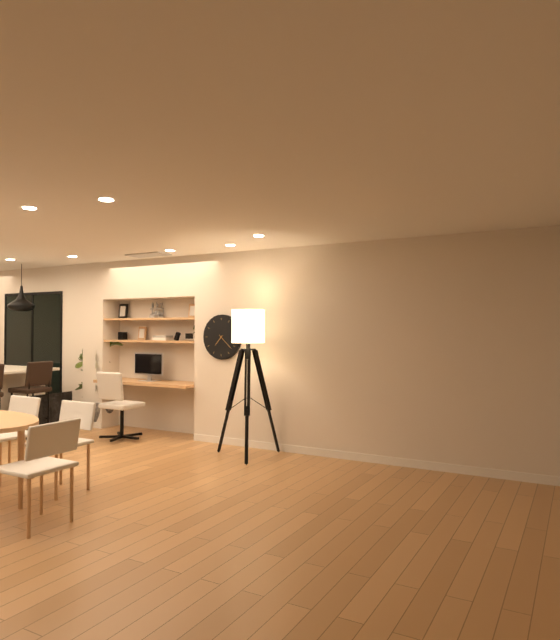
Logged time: 7 h 22 min
